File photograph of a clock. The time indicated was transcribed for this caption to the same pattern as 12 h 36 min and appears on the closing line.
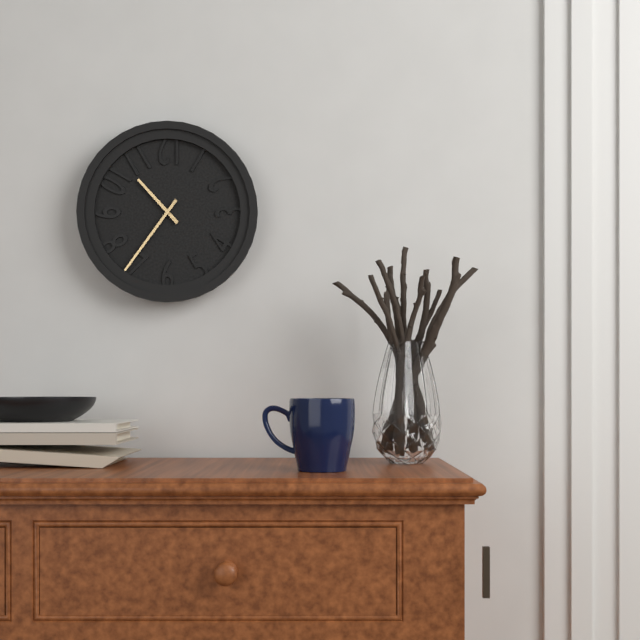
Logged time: 10 h 36 min
